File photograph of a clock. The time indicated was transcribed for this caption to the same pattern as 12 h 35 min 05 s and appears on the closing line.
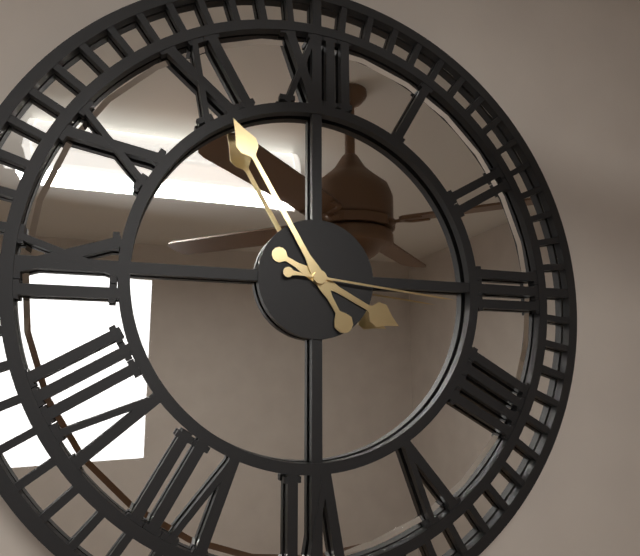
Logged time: 3 h 55 min 16 s
